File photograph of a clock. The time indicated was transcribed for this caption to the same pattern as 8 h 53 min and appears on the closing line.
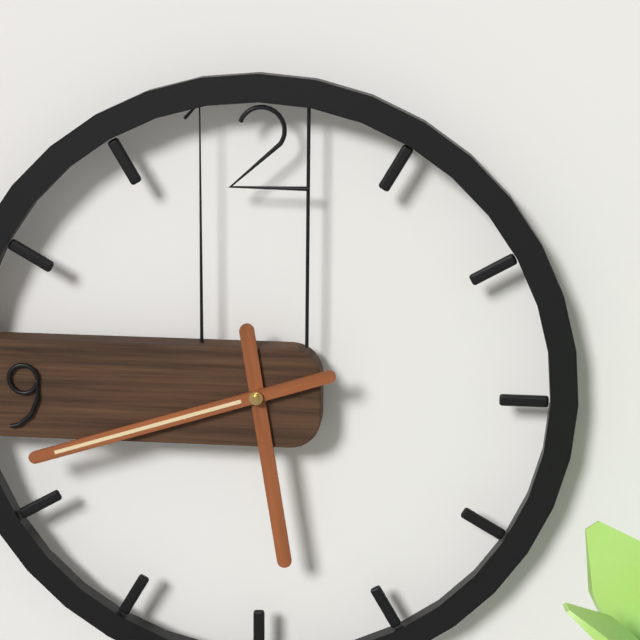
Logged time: 5 h 42 min
